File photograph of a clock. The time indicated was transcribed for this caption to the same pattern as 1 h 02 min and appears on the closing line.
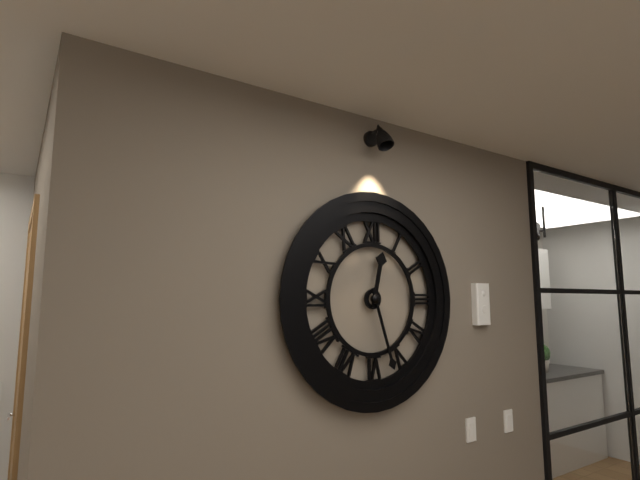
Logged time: 12 h 27 min
